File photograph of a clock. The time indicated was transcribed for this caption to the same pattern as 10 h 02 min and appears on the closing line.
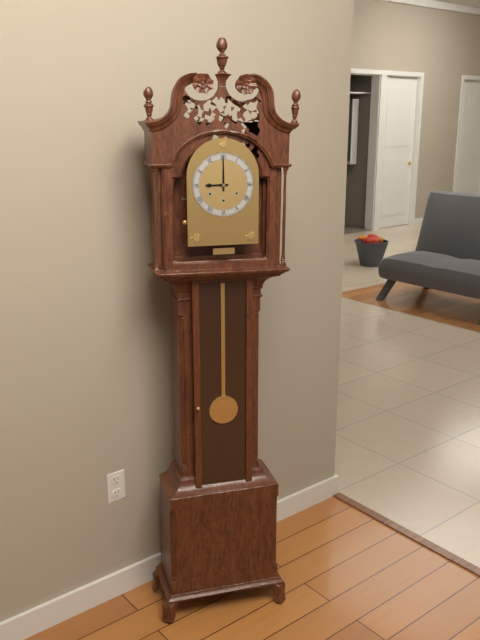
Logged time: 9 h 00 min
